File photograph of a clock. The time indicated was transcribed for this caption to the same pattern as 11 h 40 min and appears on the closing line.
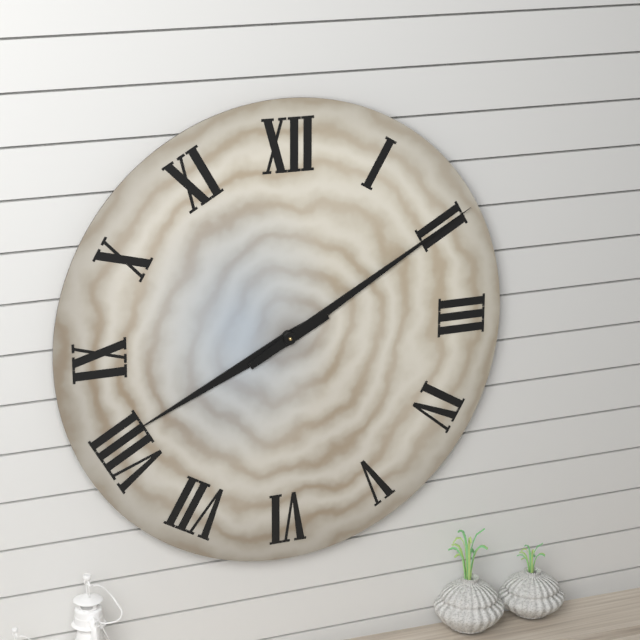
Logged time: 8 h 10 min
